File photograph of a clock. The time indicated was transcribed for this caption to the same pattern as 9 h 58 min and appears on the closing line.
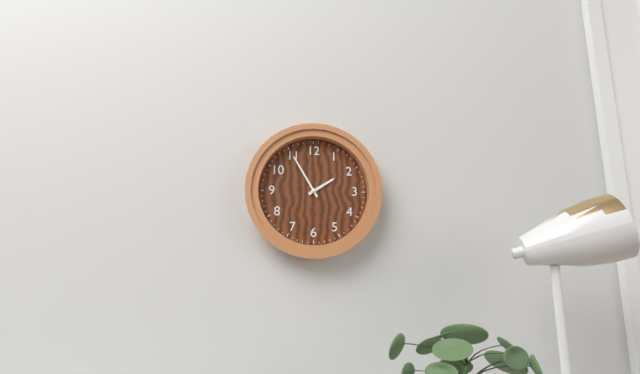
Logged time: 1 h 55 min
